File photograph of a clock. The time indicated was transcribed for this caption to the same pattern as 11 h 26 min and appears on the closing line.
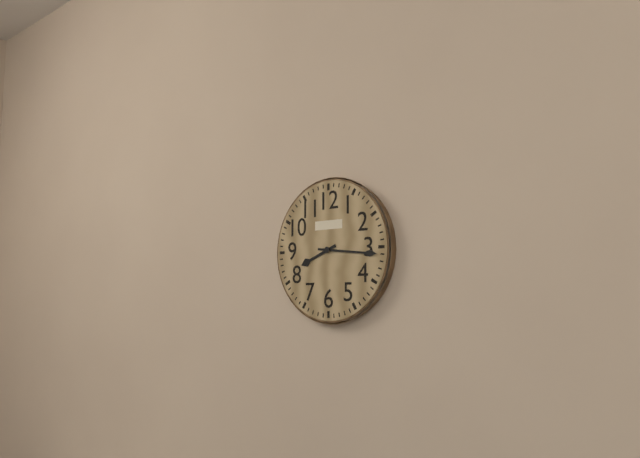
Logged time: 8 h 16 min
